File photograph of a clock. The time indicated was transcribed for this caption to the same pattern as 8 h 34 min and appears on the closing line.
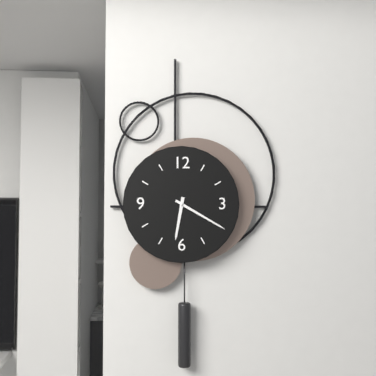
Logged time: 6 h 20 min
